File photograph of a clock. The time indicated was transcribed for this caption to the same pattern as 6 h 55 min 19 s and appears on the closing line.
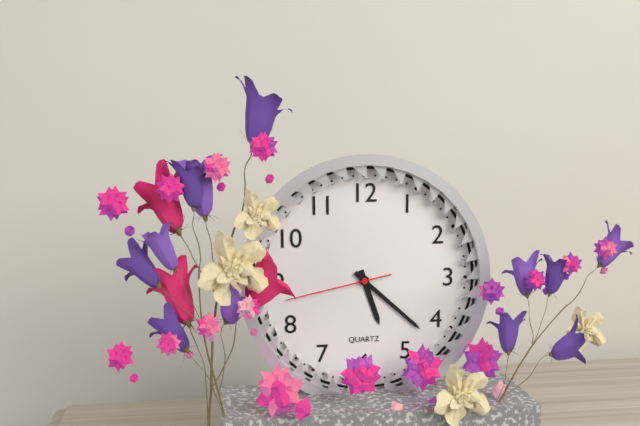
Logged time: 5 h 22 min 43 s
